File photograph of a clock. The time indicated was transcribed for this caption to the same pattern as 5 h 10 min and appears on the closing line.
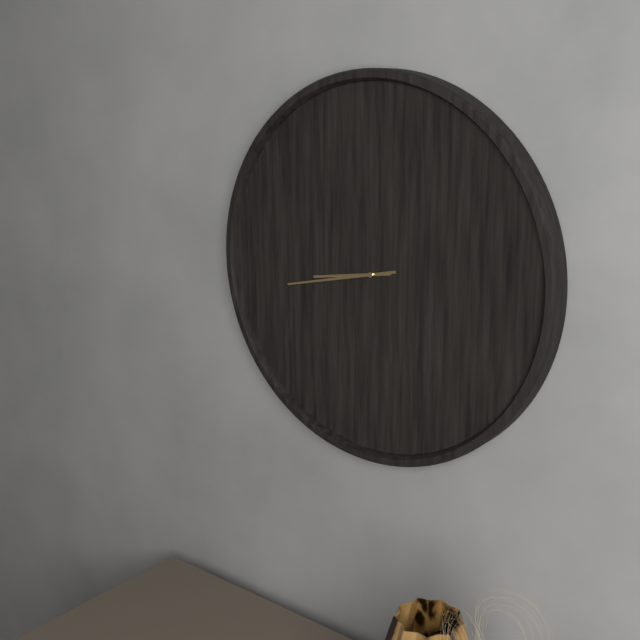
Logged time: 8 h 43 min
